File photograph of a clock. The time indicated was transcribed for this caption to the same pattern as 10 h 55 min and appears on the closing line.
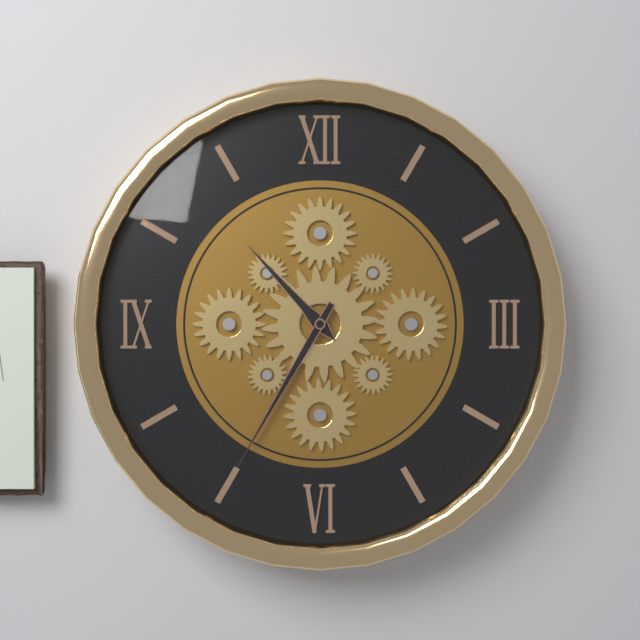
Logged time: 10 h 35 min
